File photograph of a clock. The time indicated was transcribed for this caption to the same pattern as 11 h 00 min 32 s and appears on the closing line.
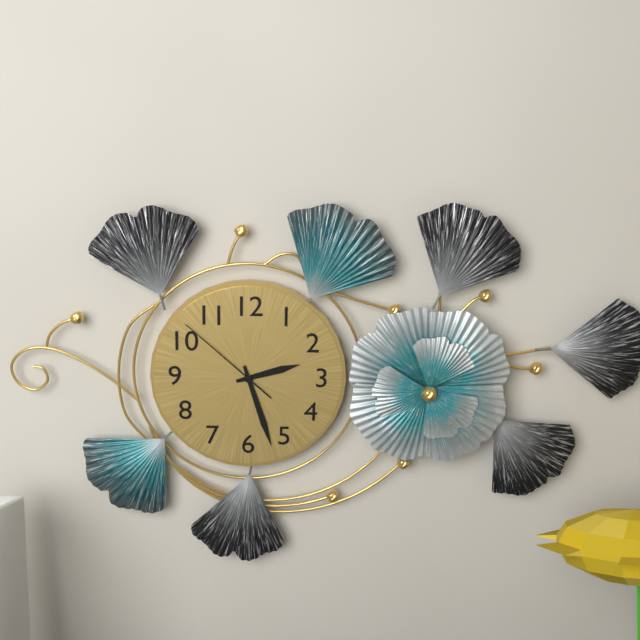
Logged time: 2 h 27 min 52 s
